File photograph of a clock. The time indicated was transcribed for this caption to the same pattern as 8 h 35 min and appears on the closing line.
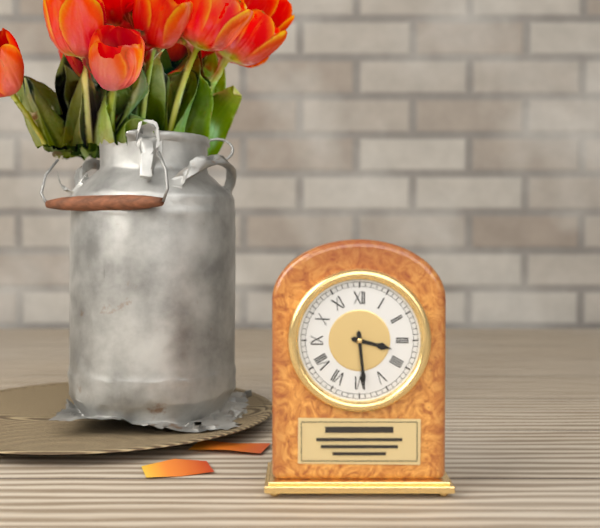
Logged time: 3 h 29 min
